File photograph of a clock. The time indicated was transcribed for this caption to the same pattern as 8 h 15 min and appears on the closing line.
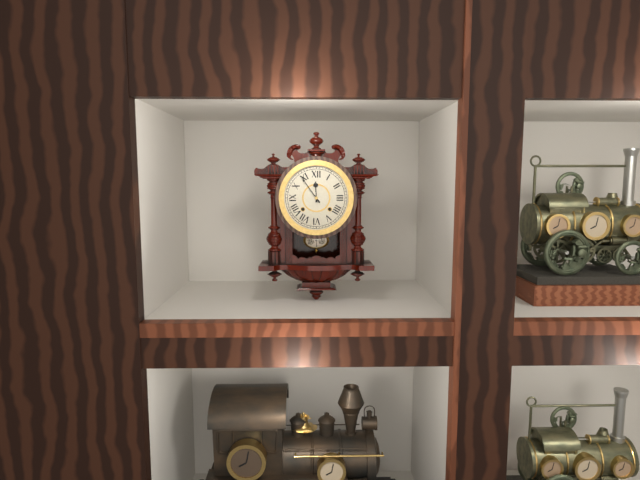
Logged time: 11 h 54 min
